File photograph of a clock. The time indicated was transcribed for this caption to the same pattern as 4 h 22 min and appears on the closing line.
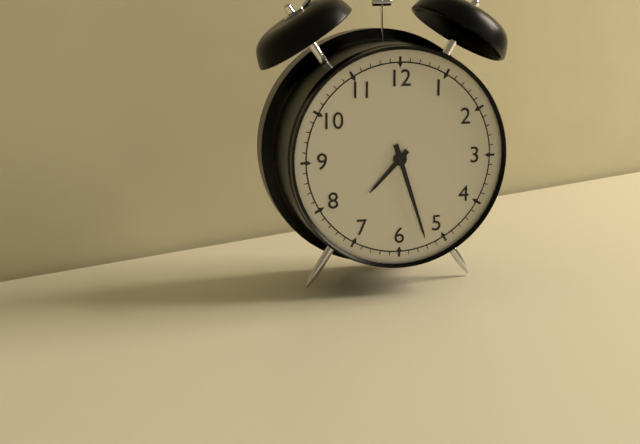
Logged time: 7 h 27 min
